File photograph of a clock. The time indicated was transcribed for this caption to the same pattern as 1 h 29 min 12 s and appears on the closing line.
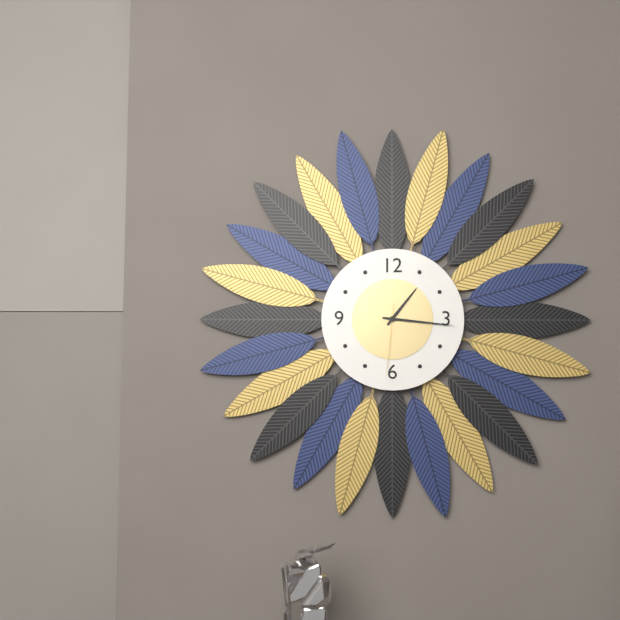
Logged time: 1 h 16 min 31 s
